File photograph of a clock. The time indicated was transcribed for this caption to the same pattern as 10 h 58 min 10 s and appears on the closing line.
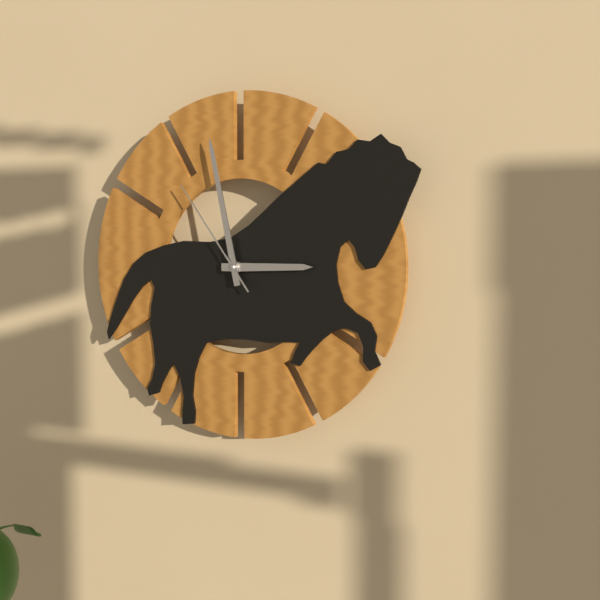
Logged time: 2 h 58 min 54 s
